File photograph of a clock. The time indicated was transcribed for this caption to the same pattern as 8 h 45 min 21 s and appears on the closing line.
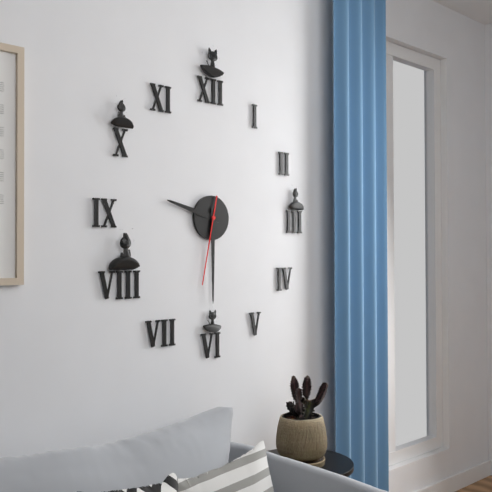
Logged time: 9 h 30 min 32 s
